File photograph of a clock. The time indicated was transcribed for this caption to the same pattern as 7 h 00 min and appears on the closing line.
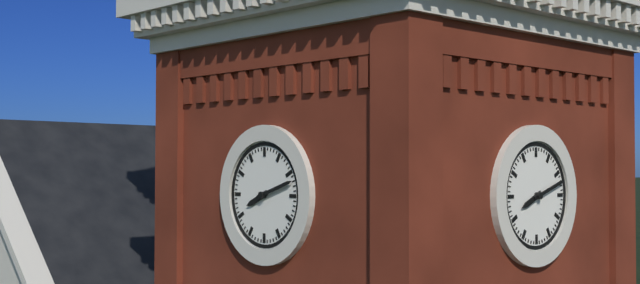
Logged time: 8 h 12 min
